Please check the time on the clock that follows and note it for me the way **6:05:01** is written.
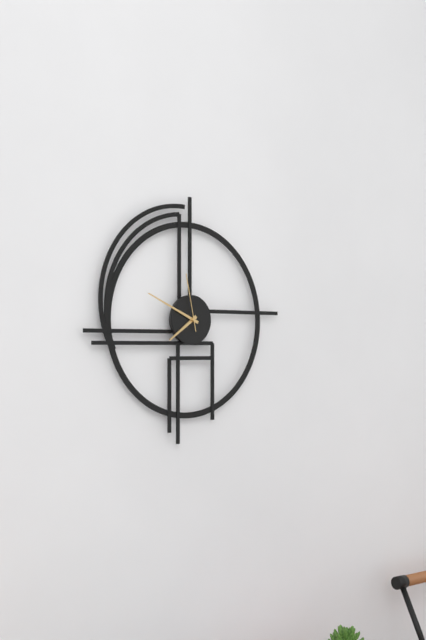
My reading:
**7:49:58**
